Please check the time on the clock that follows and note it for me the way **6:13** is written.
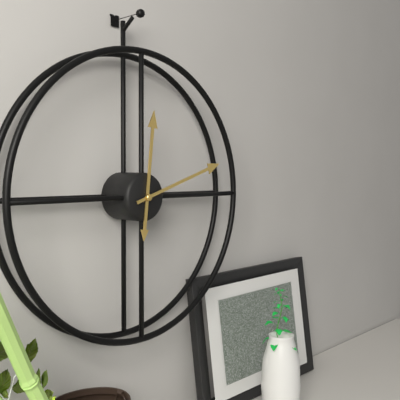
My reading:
**12:12**
